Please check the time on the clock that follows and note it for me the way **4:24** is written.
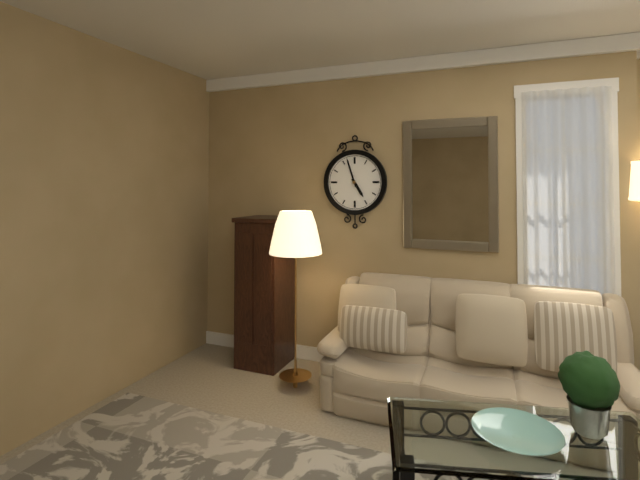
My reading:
**4:57**
